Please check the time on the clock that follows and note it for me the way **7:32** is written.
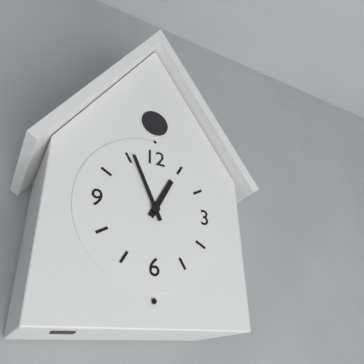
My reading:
**12:56**
